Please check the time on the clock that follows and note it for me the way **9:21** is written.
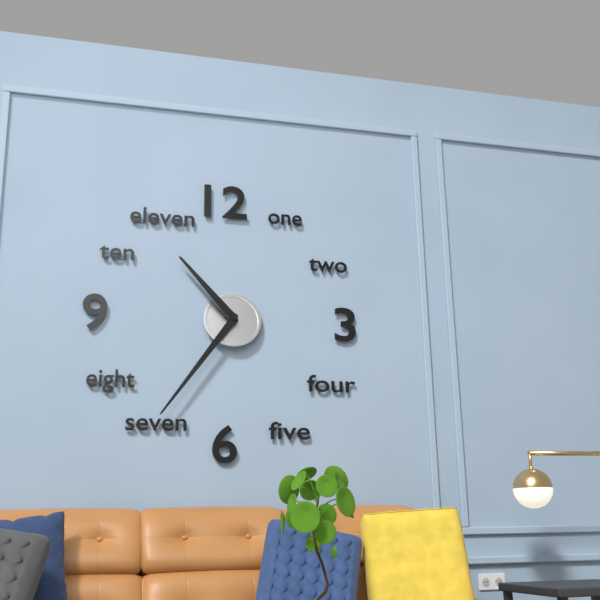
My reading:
**10:36**
